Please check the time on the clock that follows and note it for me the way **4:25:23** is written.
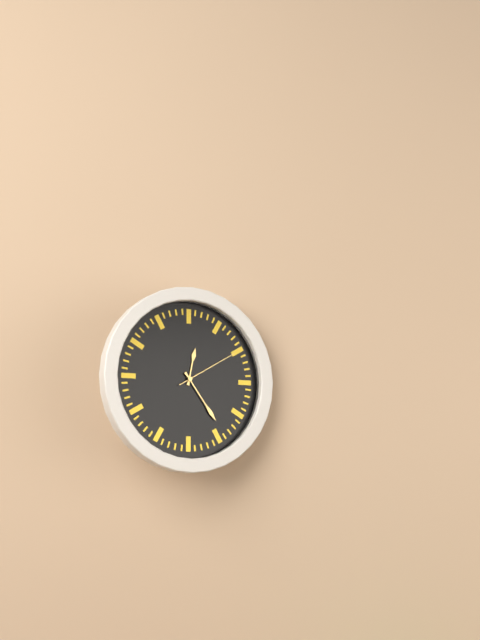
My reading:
**12:24:10**
